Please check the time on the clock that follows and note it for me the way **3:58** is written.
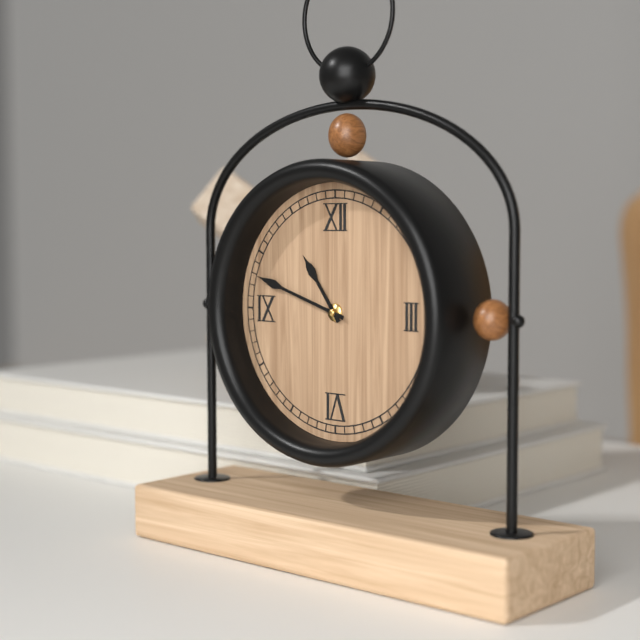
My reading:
**10:48**
